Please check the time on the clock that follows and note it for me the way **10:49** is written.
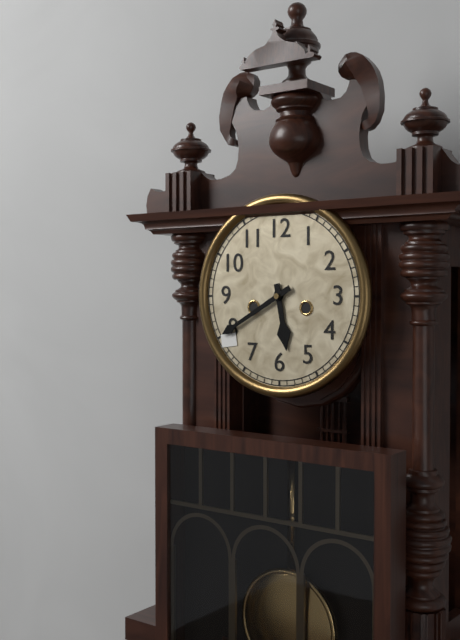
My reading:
**5:40**
